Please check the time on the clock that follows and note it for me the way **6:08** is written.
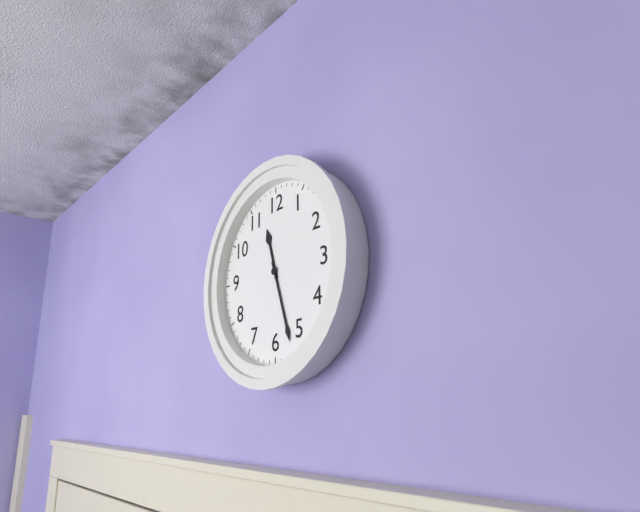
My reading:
**11:27**
